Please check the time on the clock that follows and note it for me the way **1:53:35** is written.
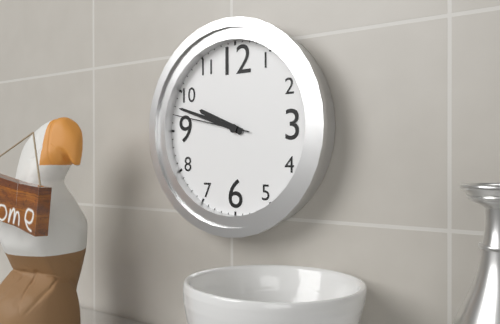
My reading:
**9:48:47**
